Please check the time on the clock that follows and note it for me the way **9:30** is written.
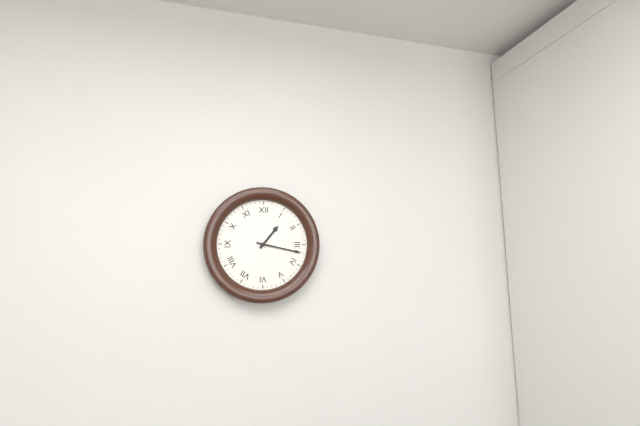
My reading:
**1:17**
